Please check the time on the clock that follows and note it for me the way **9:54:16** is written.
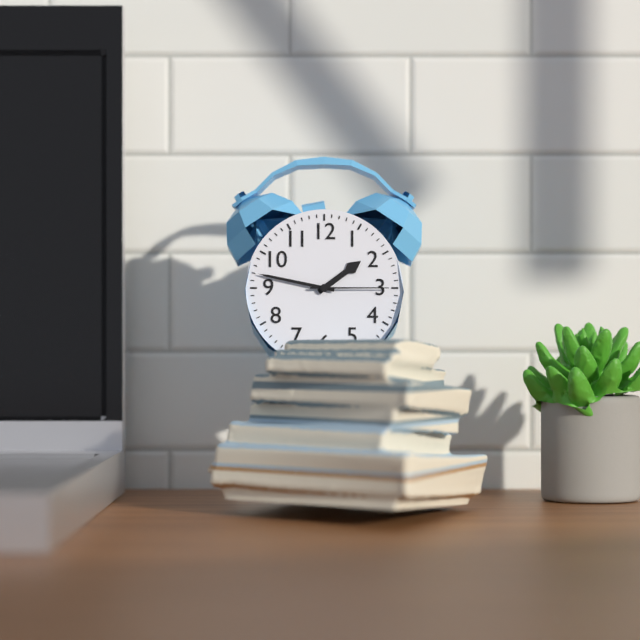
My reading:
**1:47:15**
